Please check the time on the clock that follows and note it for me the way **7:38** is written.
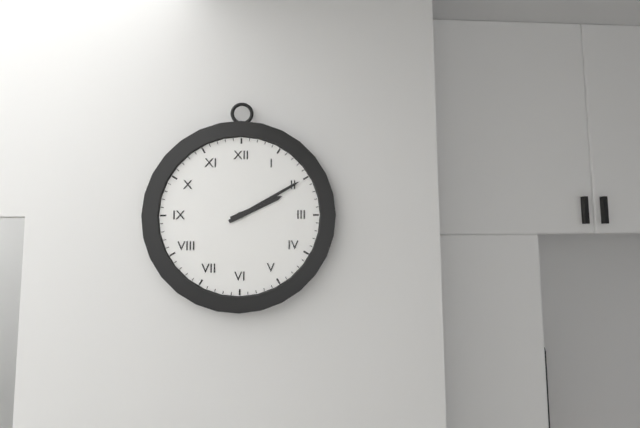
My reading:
**2:10**
